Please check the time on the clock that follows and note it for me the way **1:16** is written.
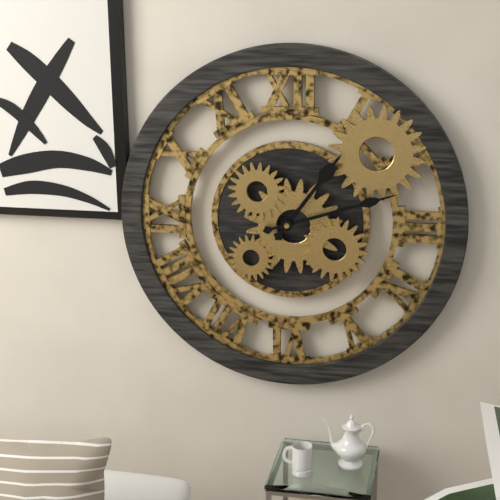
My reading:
**1:12**
